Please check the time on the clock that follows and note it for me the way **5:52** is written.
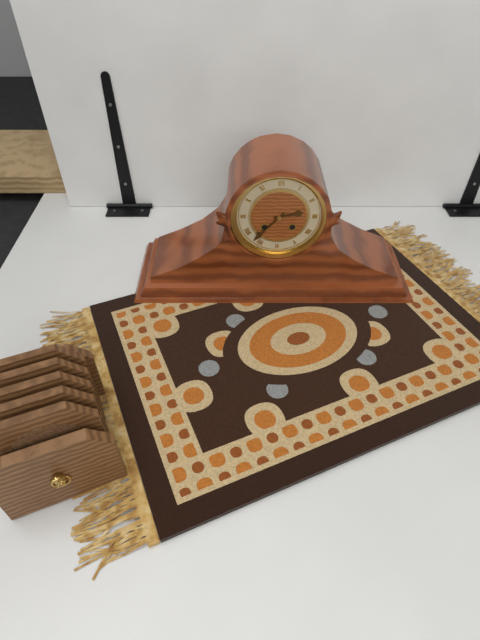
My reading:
**2:37**
